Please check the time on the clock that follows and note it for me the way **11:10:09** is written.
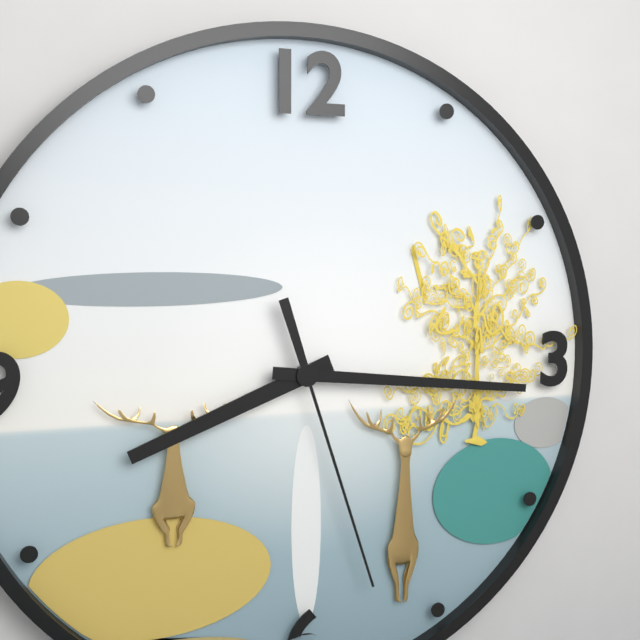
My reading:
**8:16:27**
